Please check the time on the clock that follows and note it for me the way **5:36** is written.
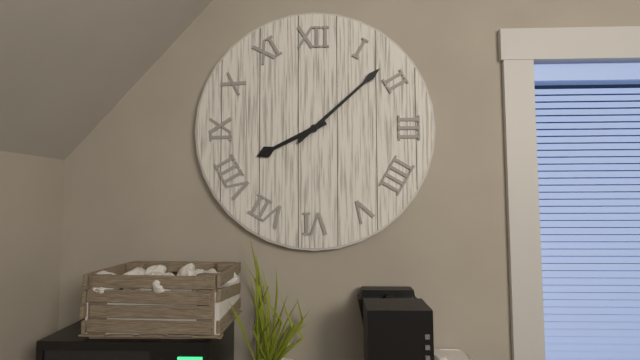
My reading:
**8:08**
